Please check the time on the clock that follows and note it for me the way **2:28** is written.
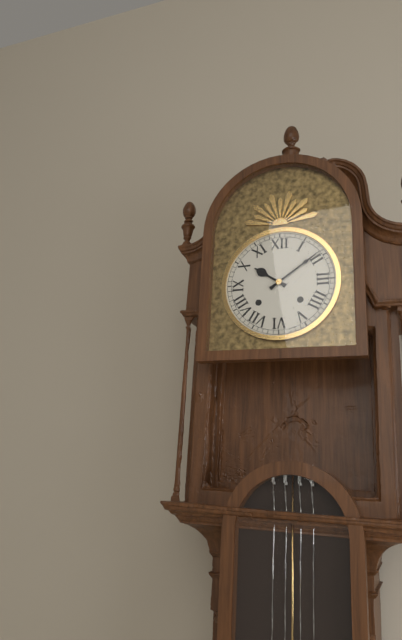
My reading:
**10:09**
